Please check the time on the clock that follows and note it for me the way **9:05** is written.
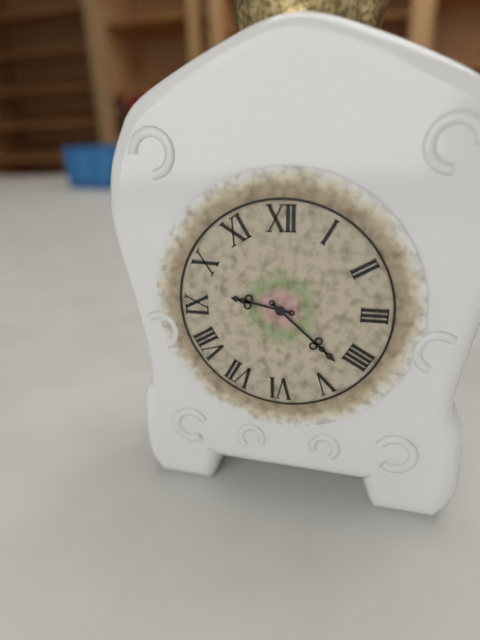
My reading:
**9:22**
